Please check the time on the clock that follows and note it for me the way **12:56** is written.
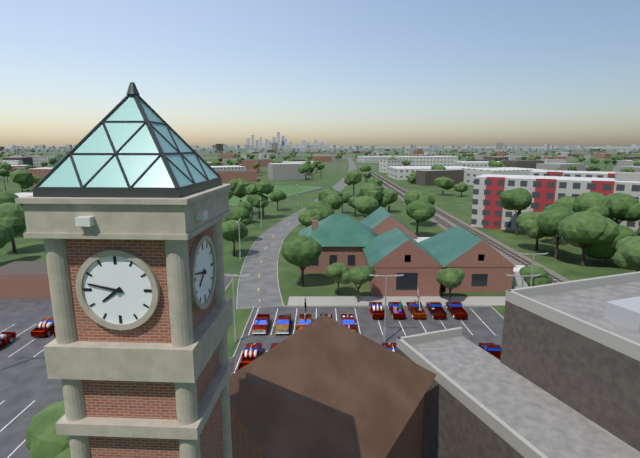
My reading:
**7:47**
